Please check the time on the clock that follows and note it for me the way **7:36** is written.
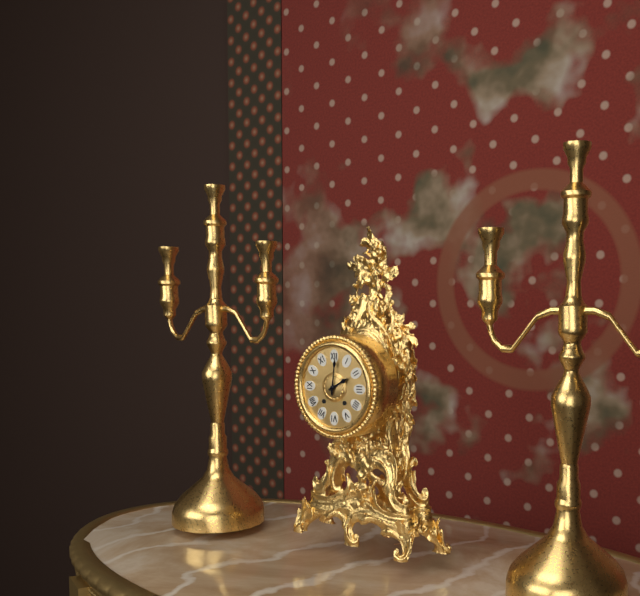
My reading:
**2:01**
